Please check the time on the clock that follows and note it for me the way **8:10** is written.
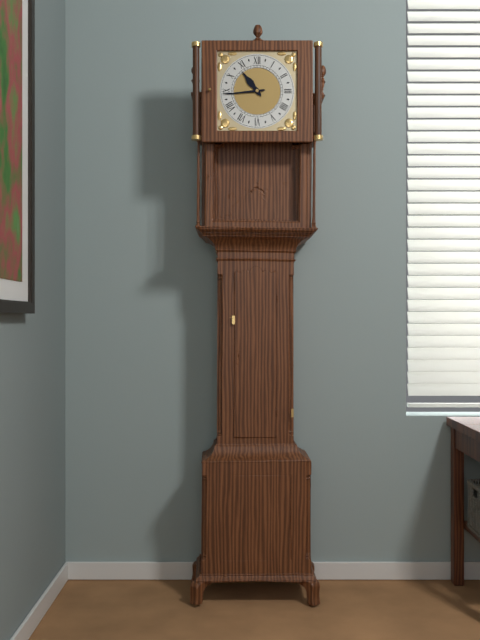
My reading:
**10:44**
